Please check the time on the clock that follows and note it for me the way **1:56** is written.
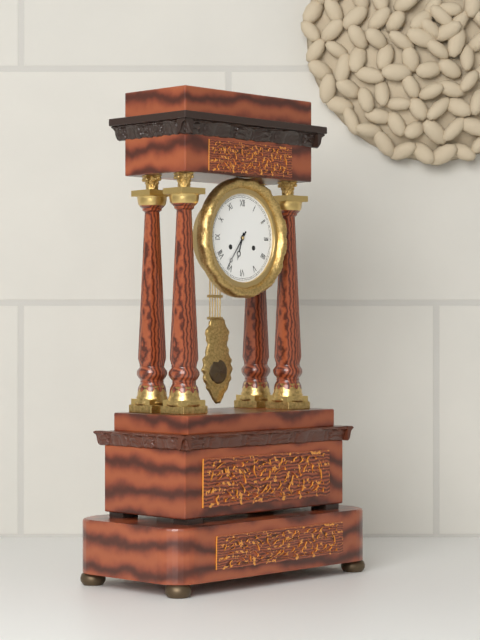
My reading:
**6:36**
